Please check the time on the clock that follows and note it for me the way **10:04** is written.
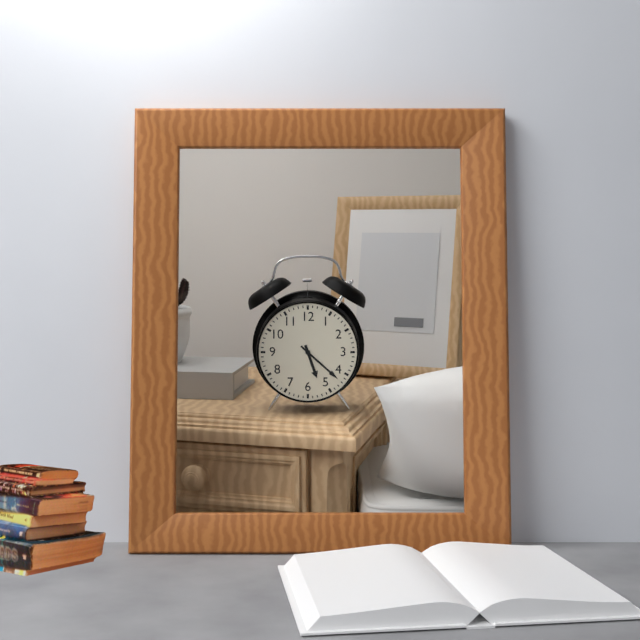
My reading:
**5:22**
